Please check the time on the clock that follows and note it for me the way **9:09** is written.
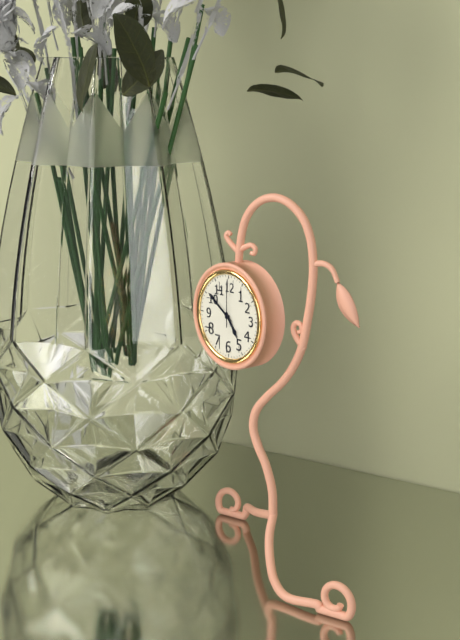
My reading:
**4:51**
